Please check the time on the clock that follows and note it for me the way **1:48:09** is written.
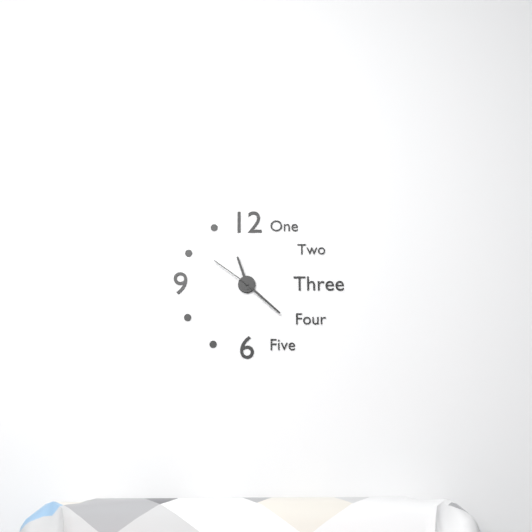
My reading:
**11:22:51**
